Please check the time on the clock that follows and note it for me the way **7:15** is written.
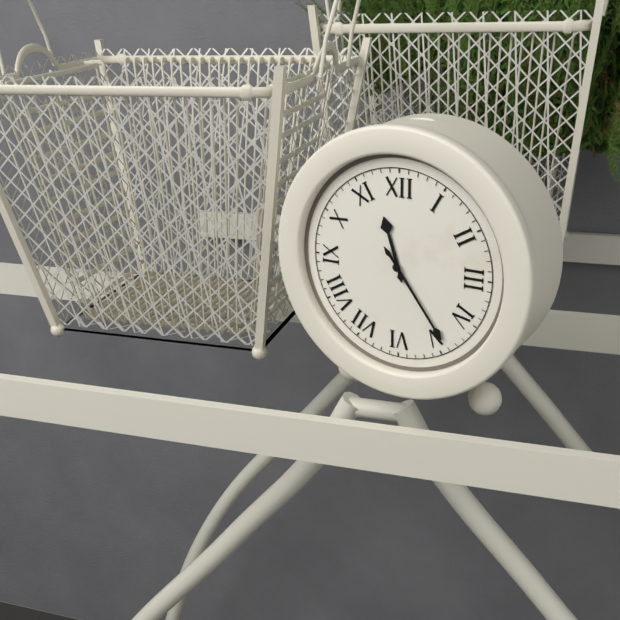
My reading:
**11:24**
